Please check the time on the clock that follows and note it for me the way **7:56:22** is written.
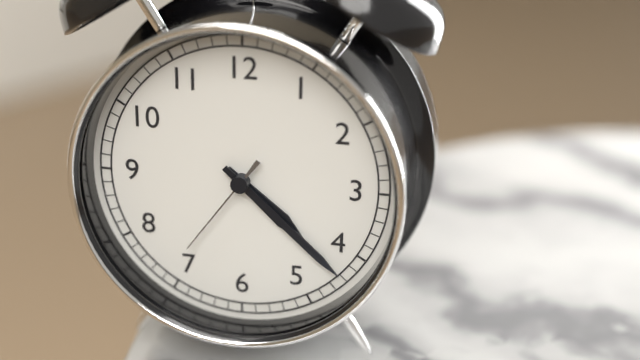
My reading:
**4:22:36**
